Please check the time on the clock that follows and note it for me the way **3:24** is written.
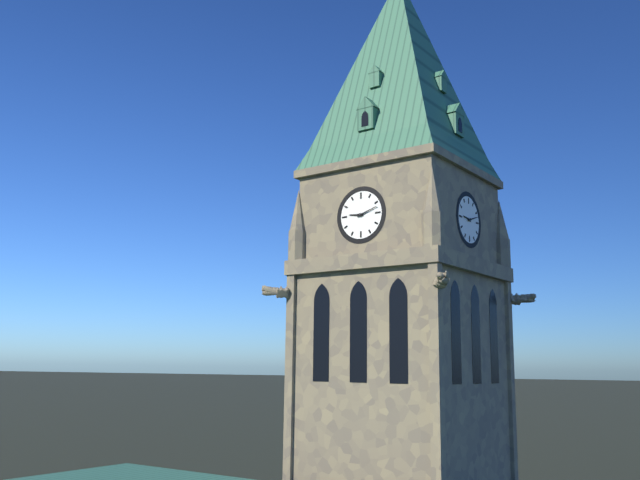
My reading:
**9:12**
